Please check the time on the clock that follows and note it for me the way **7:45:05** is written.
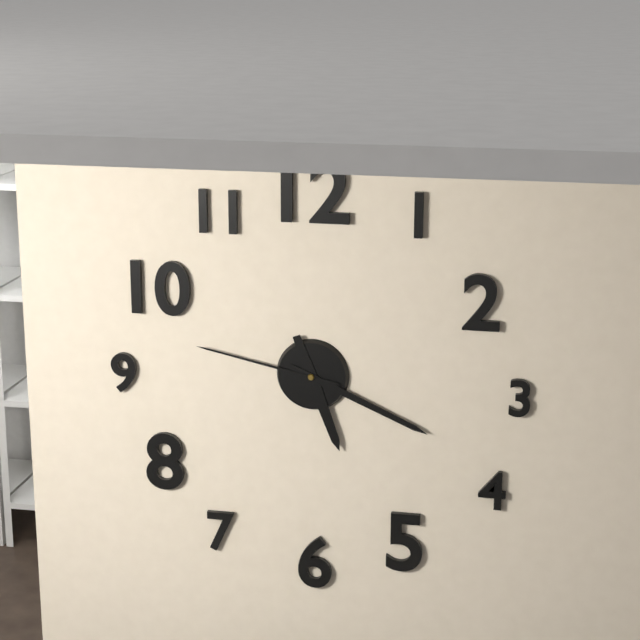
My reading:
**5:19:47**
